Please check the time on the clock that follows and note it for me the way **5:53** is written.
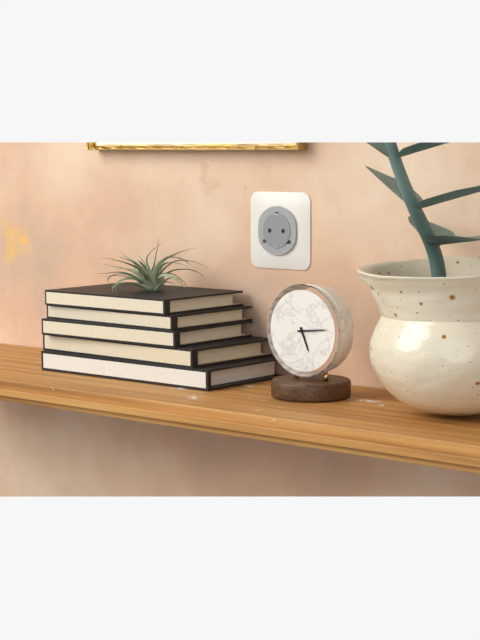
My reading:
**5:14**
